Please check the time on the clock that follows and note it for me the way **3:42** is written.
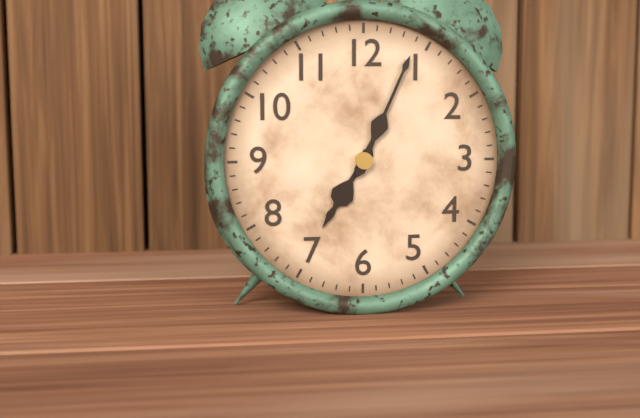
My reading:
**7:04**
